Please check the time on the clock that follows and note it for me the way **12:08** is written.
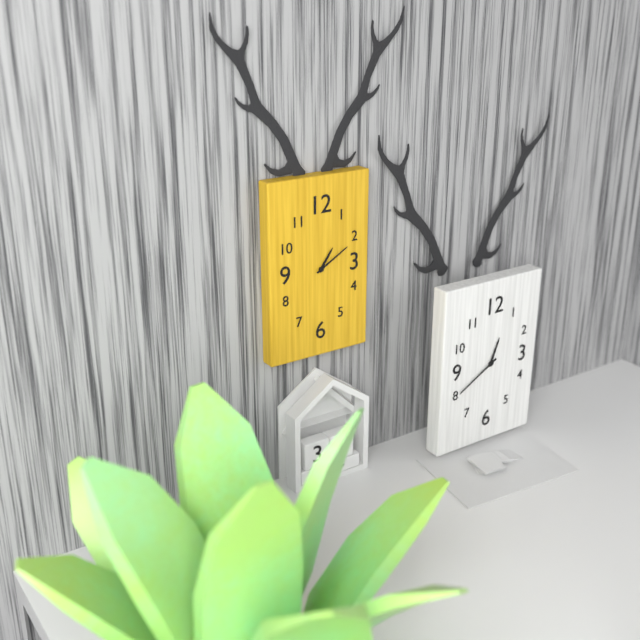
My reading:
**1:10**
